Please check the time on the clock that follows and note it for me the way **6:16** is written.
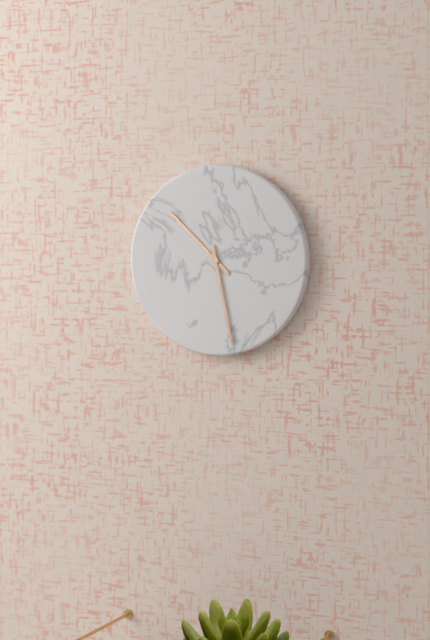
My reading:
**10:28**
